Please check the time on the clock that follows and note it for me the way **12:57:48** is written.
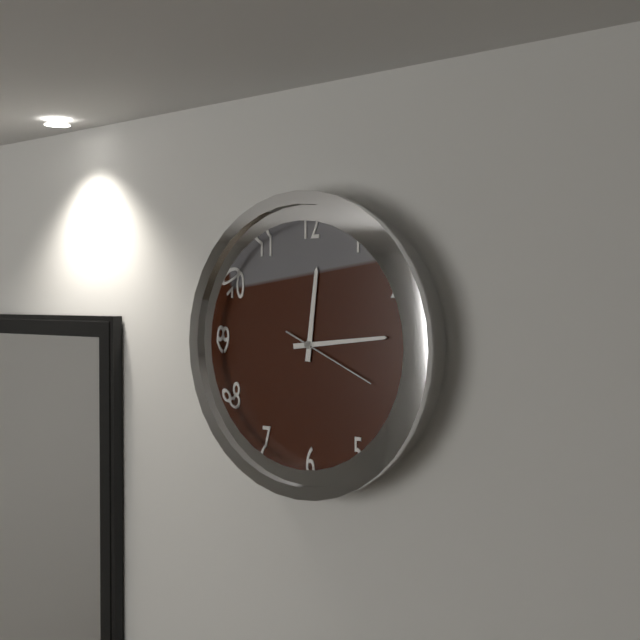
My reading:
**12:14:19**
